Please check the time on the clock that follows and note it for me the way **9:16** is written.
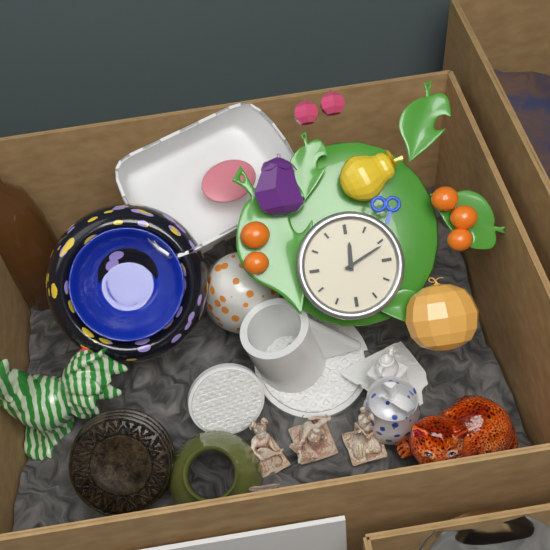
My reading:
**12:11**
